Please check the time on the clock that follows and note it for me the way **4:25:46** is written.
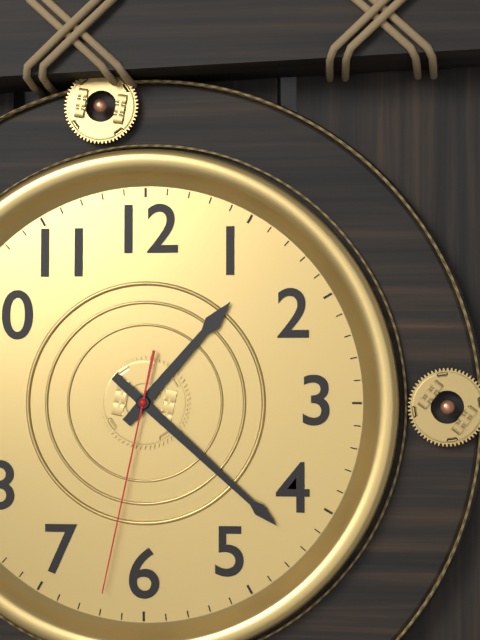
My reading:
**1:22:32**
